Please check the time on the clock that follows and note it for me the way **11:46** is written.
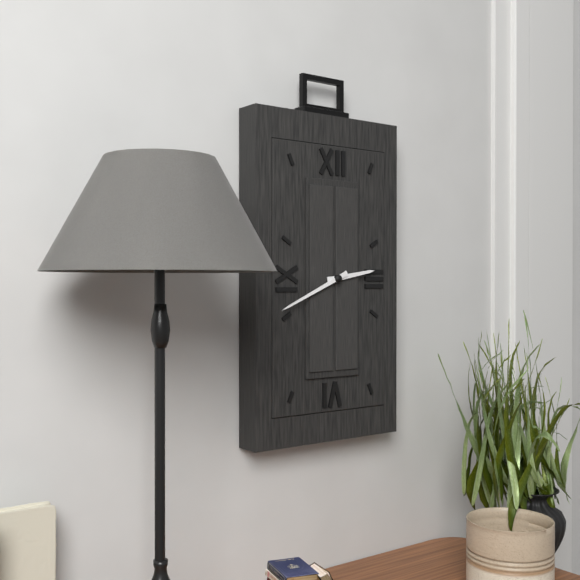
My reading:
**2:41**
